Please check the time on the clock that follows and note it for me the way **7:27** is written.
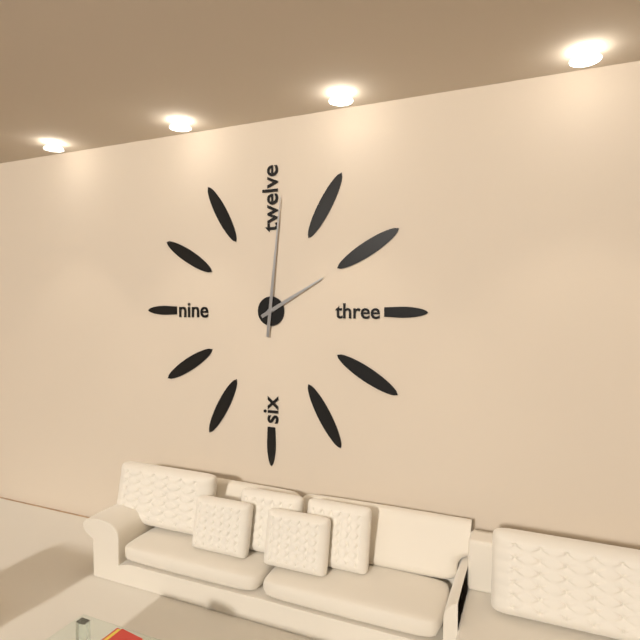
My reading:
**2:01**
